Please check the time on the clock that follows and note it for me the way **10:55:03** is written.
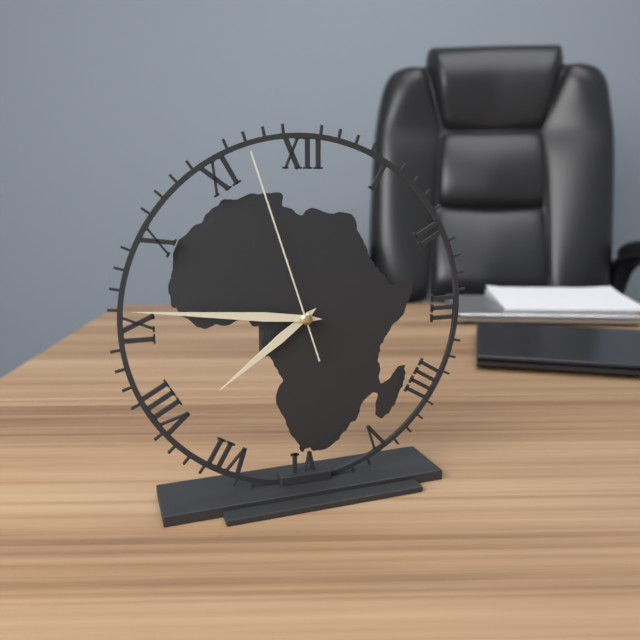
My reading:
**7:46:57**
